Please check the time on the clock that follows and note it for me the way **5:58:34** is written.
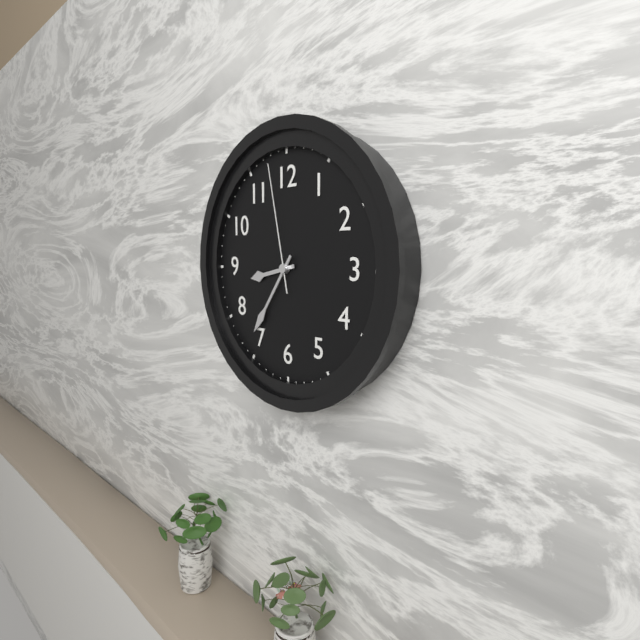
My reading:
**8:36:58**
